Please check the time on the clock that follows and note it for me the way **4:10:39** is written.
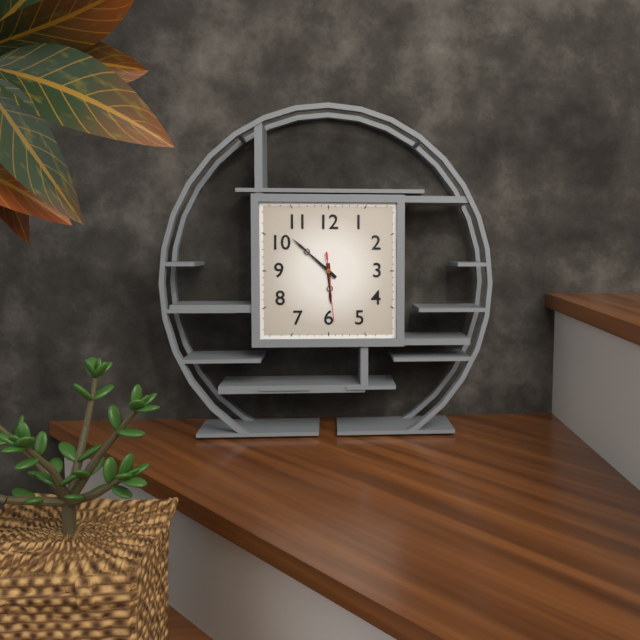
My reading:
**5:52:29**
